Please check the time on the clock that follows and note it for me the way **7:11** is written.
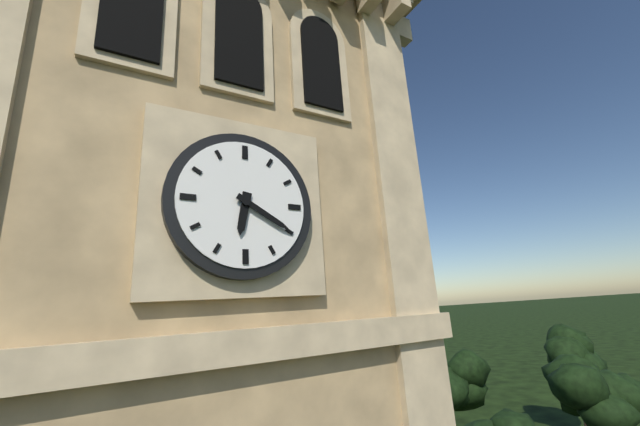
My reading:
**6:20**
